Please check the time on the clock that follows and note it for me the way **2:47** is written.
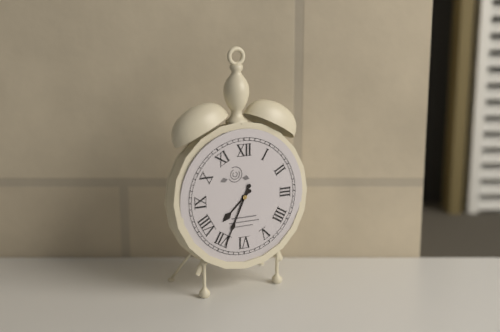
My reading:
**7:34**
